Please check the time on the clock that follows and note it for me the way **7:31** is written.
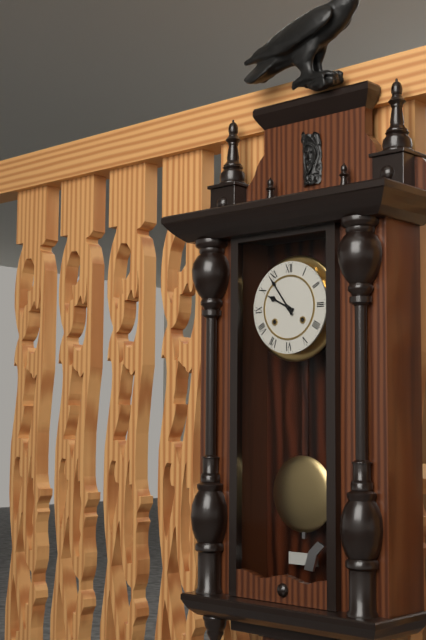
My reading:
**9:54**
